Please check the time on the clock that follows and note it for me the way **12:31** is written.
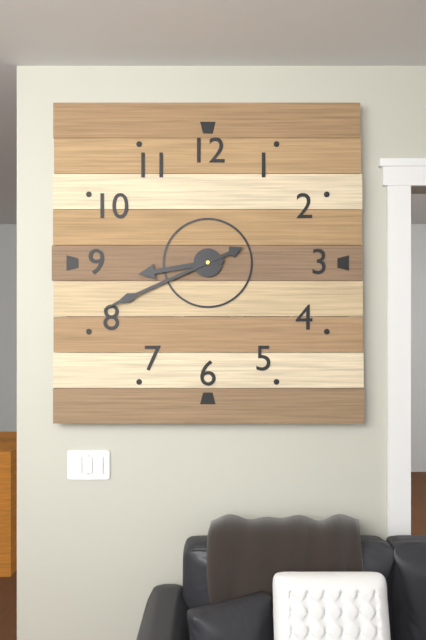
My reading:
**8:41**
